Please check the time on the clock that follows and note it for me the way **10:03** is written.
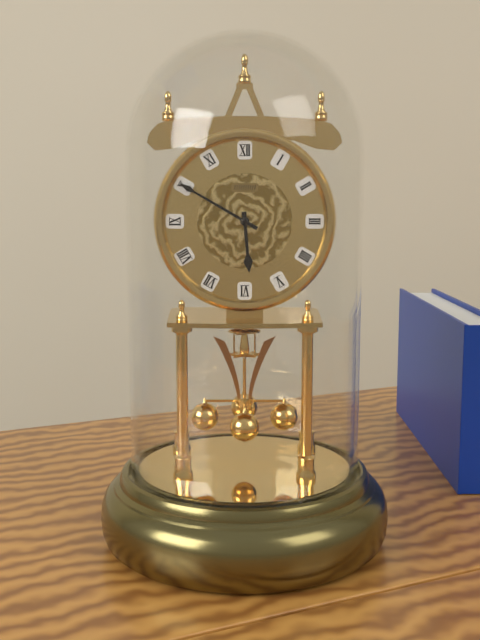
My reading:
**5:50**
